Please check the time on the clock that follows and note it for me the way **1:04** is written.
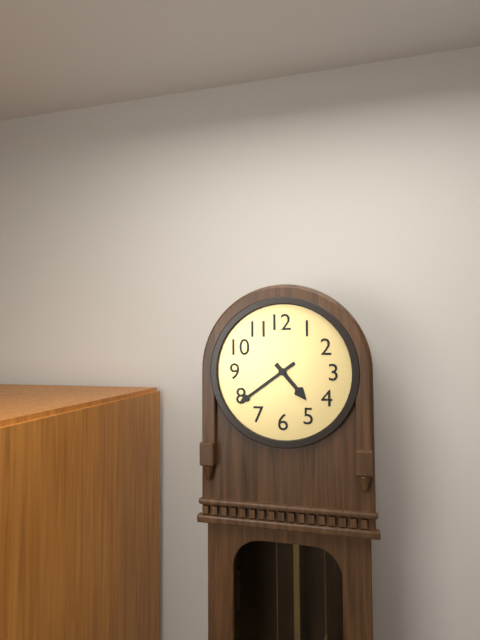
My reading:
**4:39**
